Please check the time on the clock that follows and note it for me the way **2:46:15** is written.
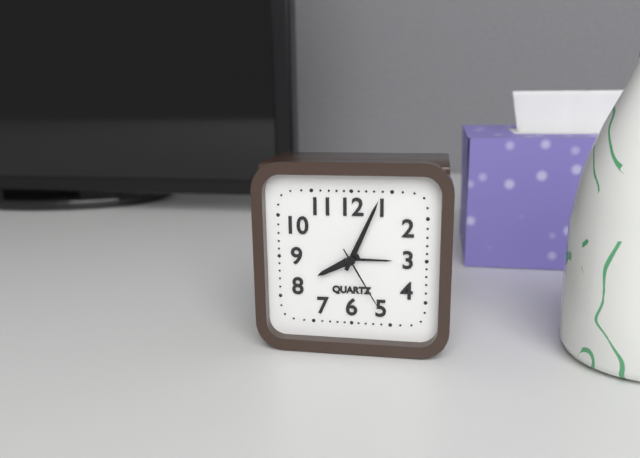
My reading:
**8:04:25**
